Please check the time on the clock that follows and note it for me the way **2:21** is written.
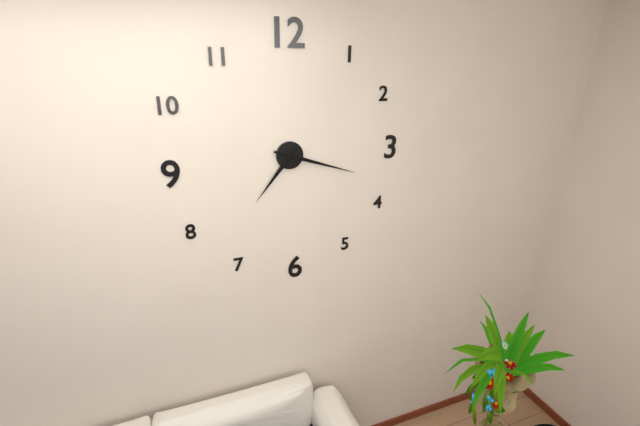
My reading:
**7:18**
